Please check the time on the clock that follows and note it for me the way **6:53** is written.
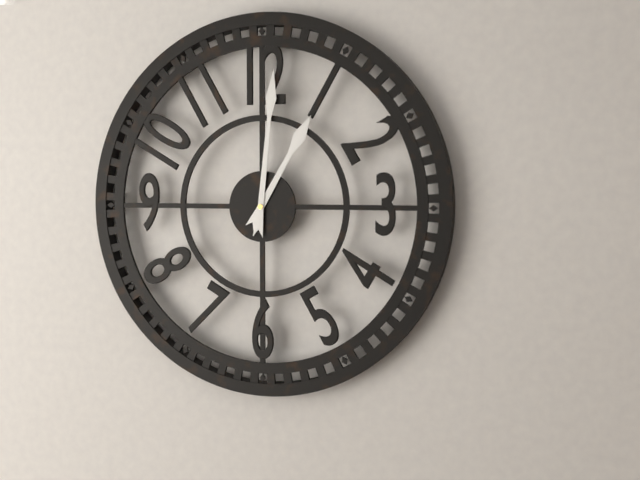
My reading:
**1:01**
